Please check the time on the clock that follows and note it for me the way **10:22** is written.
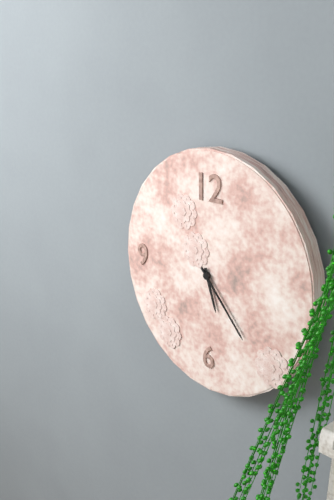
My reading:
**5:23**
